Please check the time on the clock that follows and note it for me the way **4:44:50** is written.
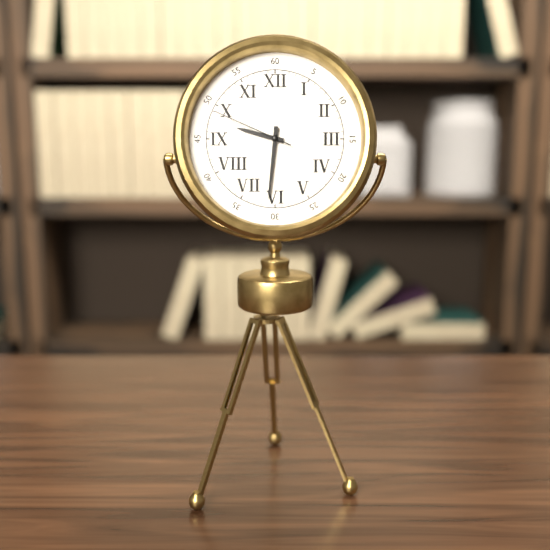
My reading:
**9:31:49**
